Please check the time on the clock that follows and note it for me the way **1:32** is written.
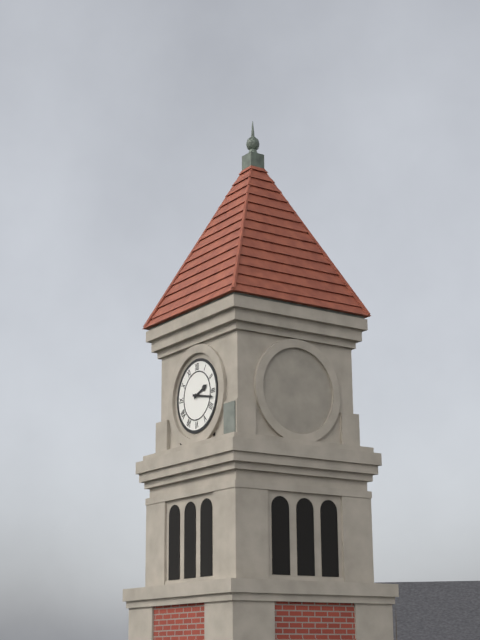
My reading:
**2:17**
